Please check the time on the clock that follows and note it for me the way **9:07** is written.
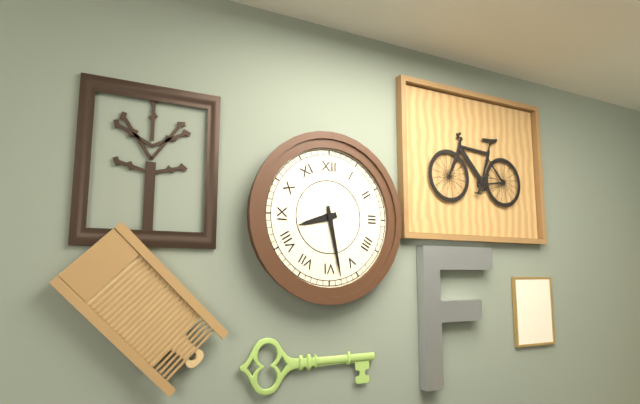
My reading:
**8:28**
